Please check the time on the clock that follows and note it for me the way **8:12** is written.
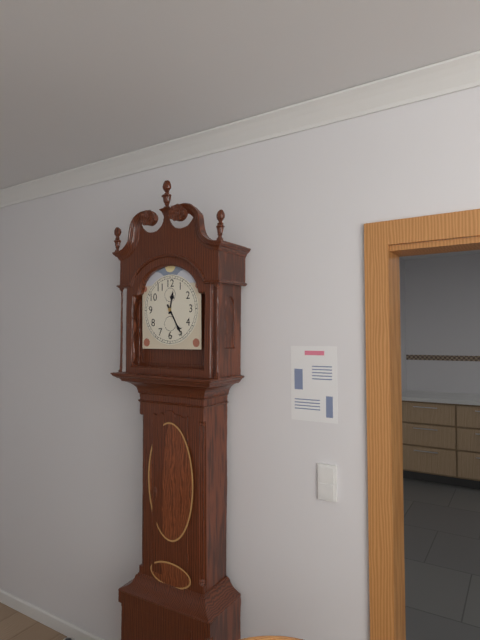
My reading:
**12:25**
